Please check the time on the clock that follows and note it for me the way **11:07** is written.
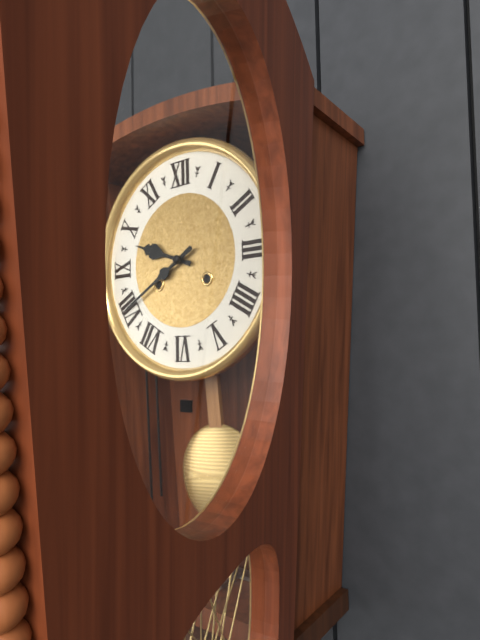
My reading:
**9:40**
